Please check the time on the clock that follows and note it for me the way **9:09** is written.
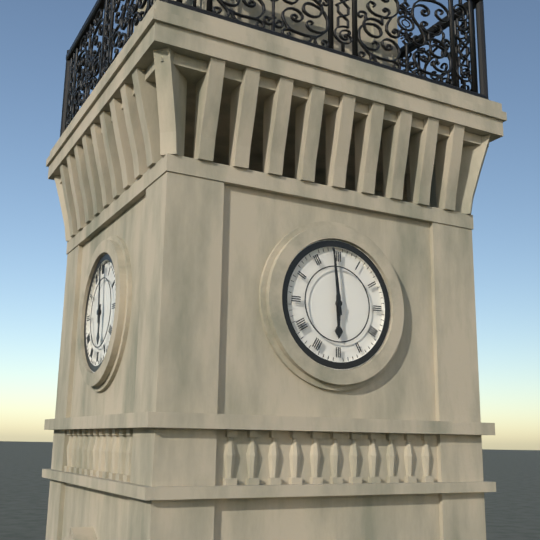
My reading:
**5:59**
